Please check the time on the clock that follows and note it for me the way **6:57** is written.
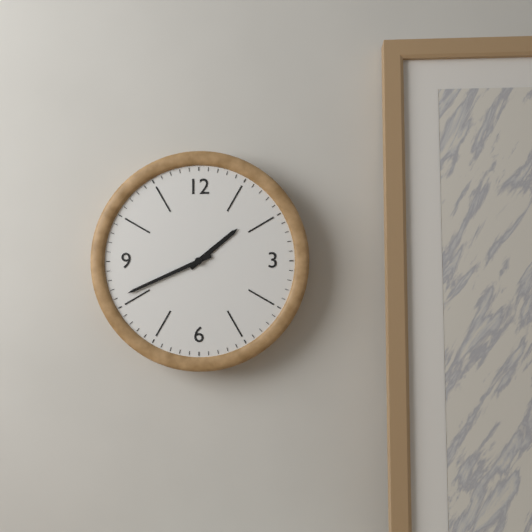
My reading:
**1:41**
